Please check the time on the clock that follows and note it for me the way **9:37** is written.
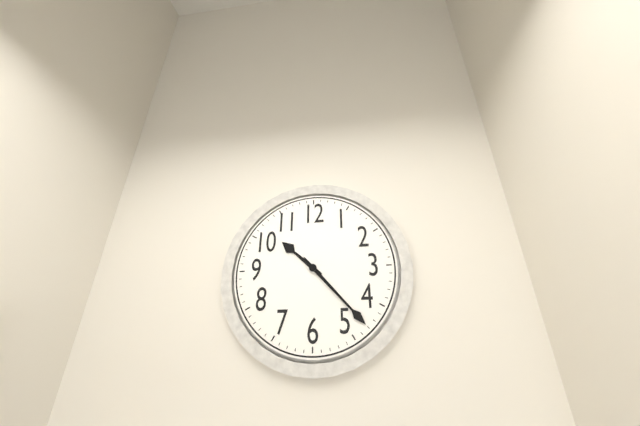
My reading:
**10:23**
